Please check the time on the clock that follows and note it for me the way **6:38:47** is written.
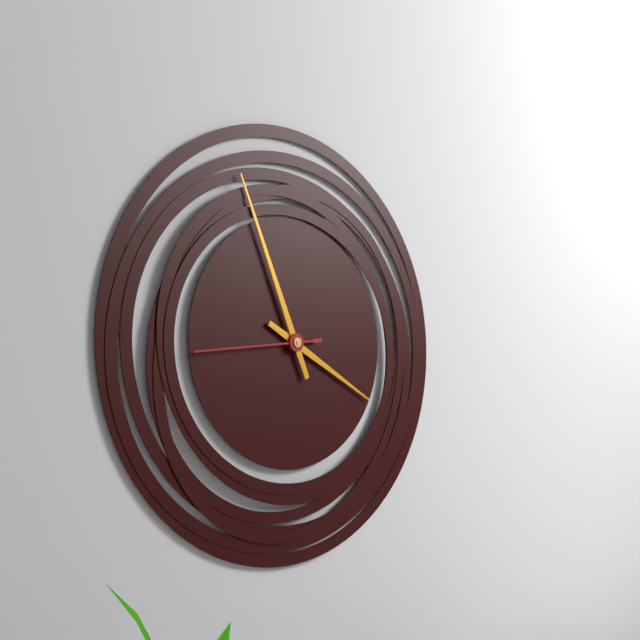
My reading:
**3:56:44**
